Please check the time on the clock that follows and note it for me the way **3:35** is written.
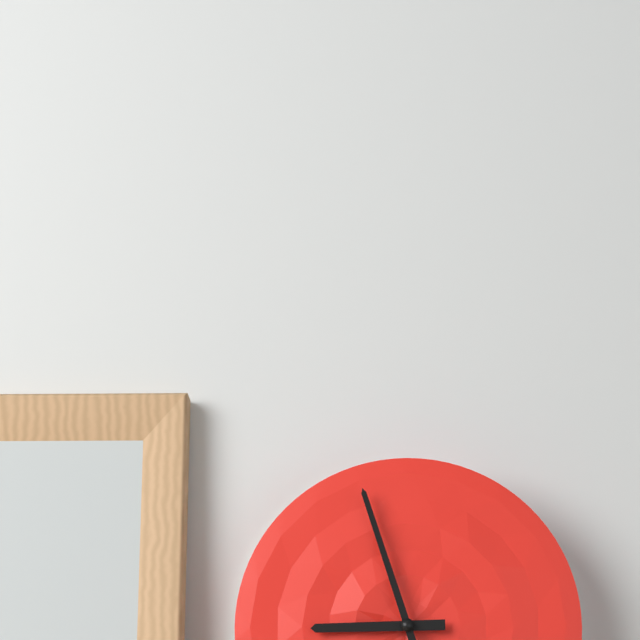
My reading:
**8:57**
